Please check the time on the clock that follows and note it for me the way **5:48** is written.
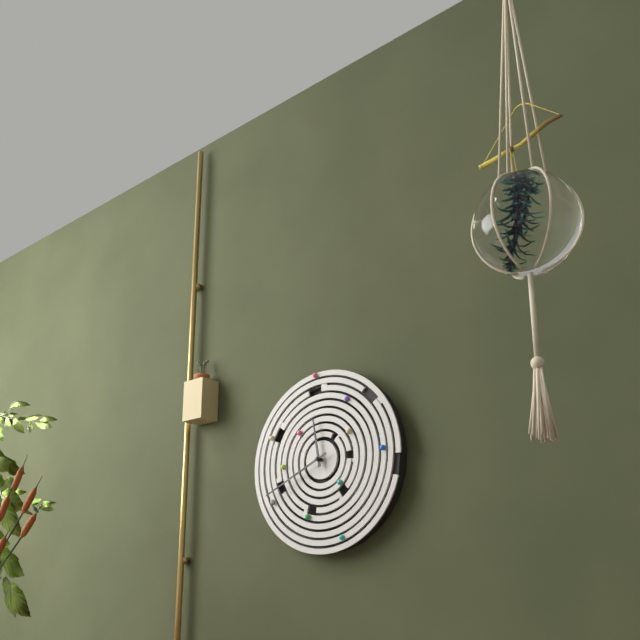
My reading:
**11:41**
